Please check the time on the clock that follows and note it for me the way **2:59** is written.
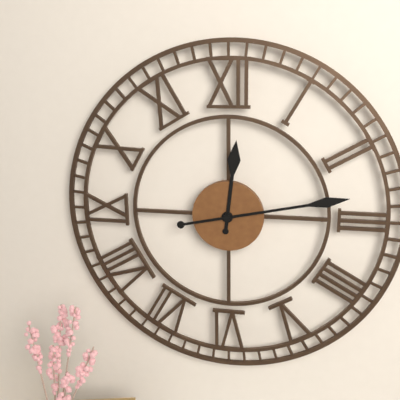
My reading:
**12:13**
